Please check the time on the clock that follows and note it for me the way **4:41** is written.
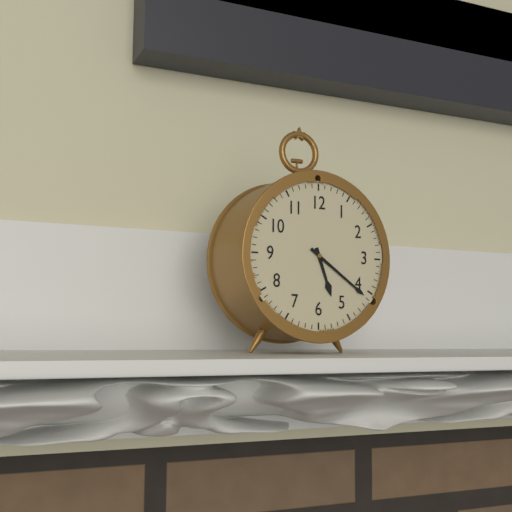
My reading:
**5:21**
